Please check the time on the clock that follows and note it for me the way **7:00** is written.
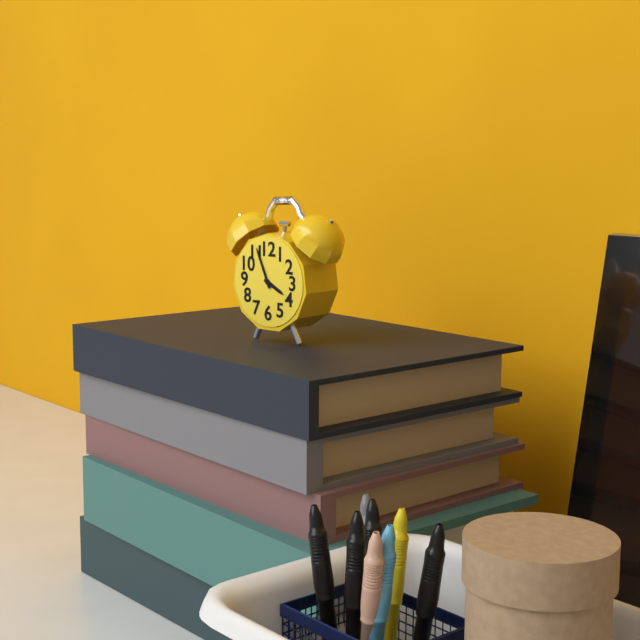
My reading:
**3:56**
